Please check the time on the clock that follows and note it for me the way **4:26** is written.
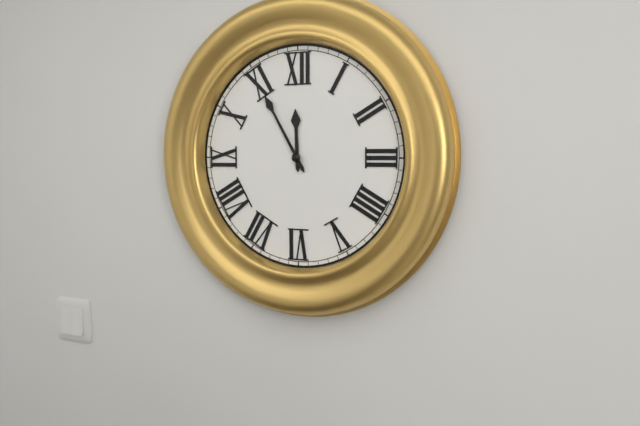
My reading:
**11:55**
